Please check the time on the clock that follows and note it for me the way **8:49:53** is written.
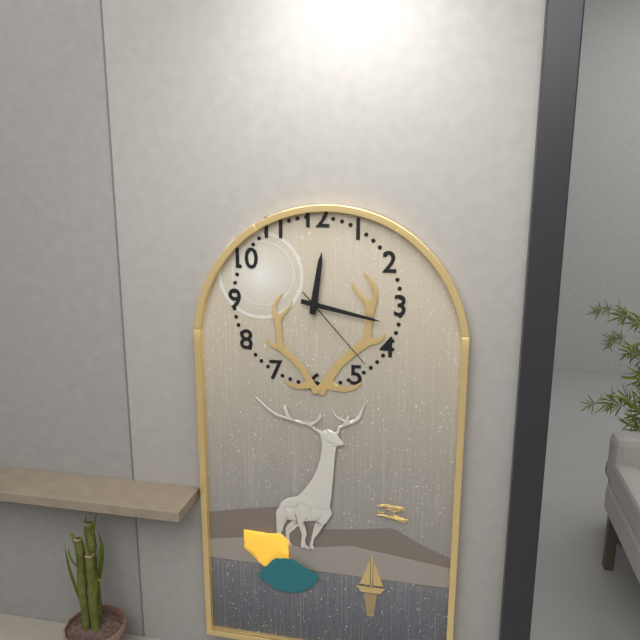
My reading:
**12:17:23**
